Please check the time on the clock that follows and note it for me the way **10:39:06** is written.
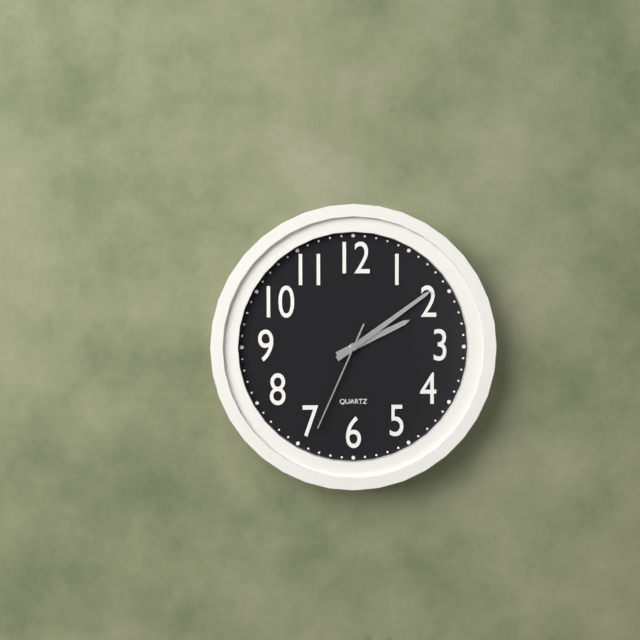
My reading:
**2:09:34**
